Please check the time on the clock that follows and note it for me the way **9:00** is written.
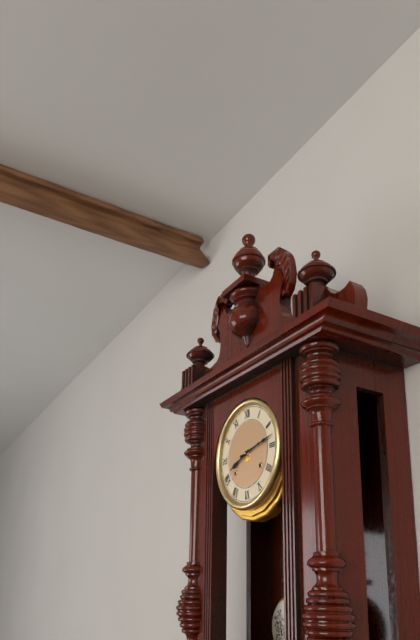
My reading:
**8:13**
